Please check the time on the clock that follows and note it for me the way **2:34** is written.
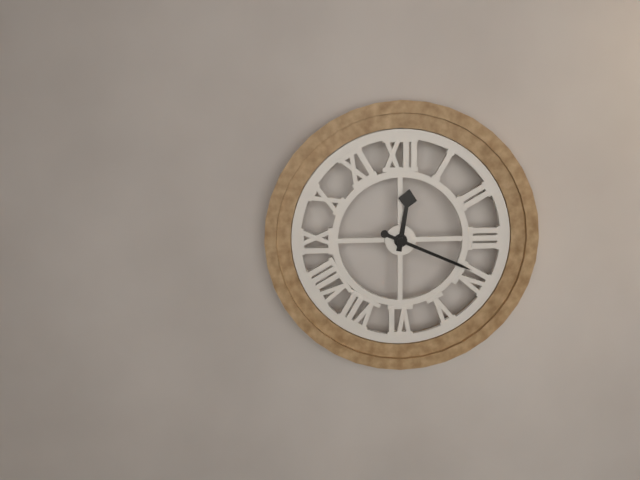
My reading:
**12:19**
